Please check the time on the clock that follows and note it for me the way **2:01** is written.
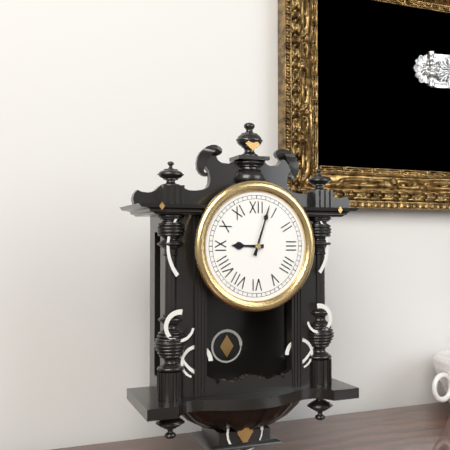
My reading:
**9:03**
